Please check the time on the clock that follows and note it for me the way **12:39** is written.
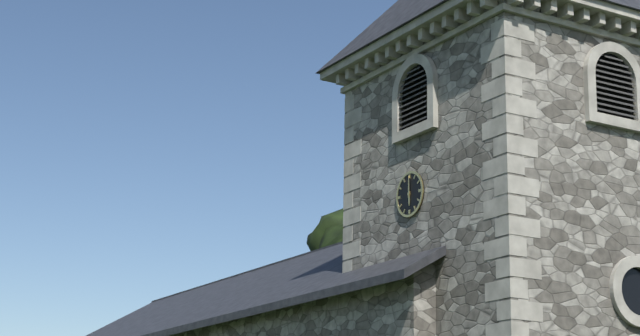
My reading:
**6:00**
